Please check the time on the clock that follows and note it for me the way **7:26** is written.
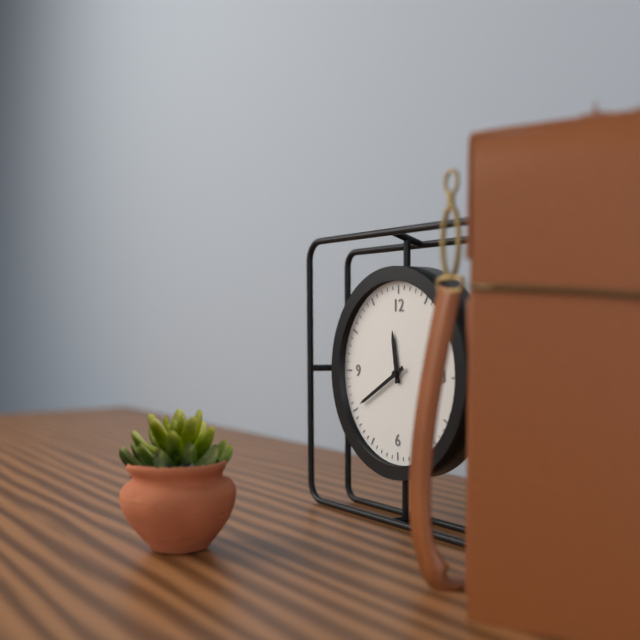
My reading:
**11:40**
